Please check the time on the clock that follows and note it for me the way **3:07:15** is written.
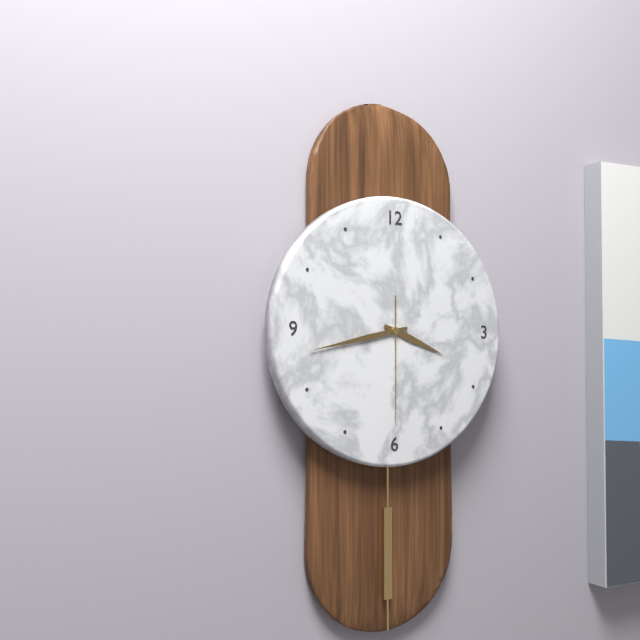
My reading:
**3:43:30**
